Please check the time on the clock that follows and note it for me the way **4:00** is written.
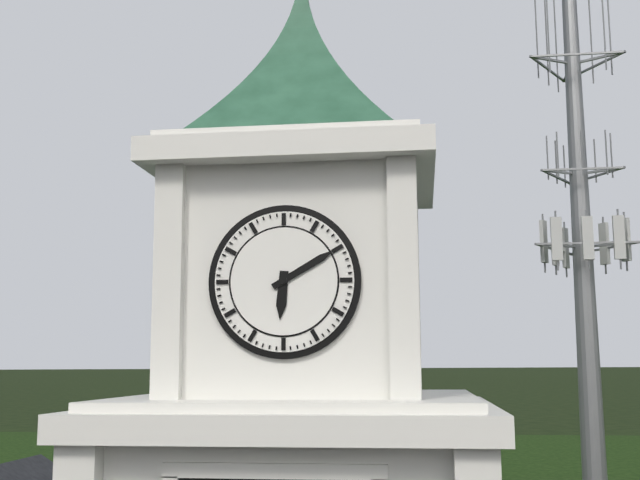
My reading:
**6:10**
